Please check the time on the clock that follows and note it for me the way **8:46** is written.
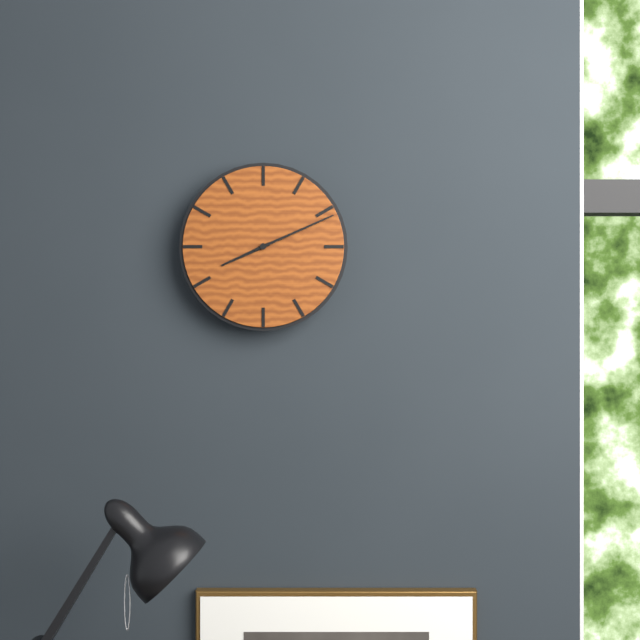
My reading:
**8:11**
